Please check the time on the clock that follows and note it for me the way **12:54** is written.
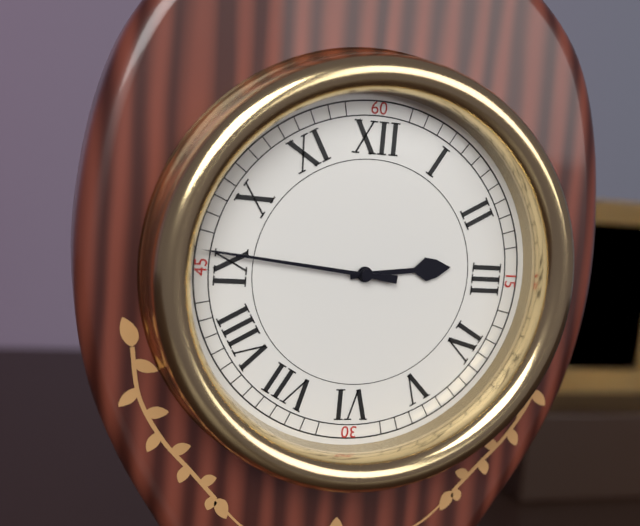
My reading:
**2:46**
